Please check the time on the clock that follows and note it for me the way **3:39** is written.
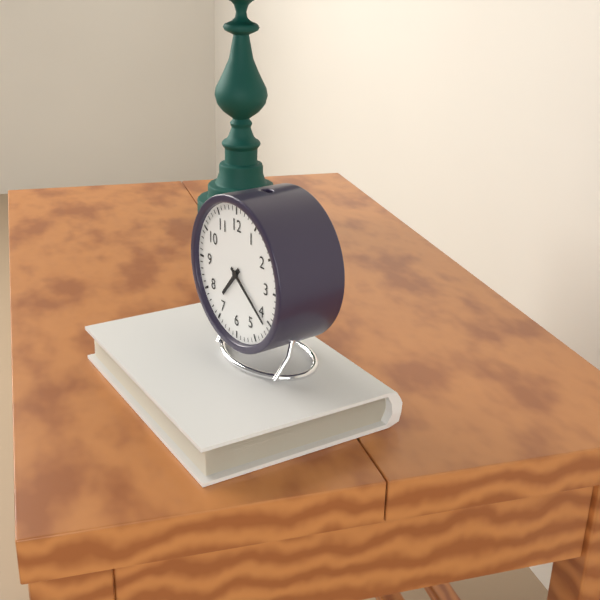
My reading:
**7:21**
